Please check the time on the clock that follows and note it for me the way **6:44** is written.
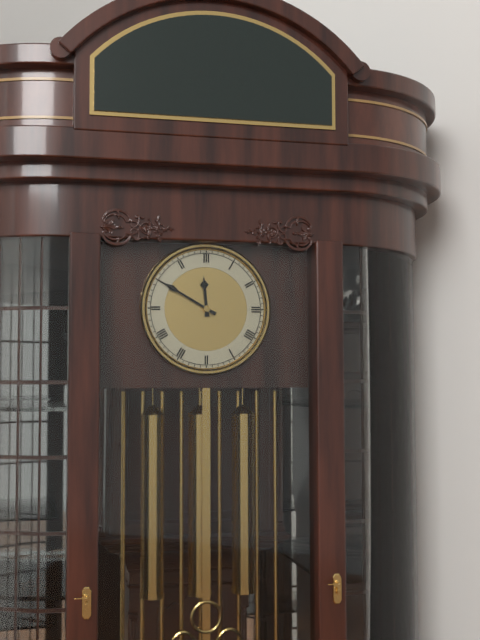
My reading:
**11:50**
